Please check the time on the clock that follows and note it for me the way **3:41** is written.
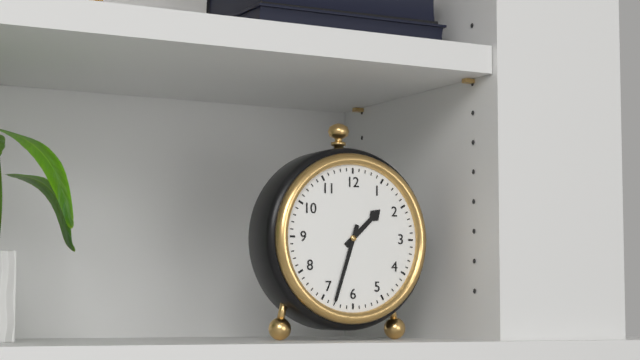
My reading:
**1:33**
